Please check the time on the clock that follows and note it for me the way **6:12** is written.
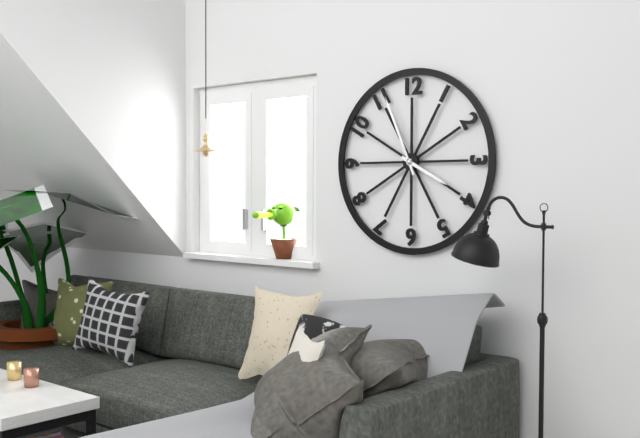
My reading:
**3:56**
